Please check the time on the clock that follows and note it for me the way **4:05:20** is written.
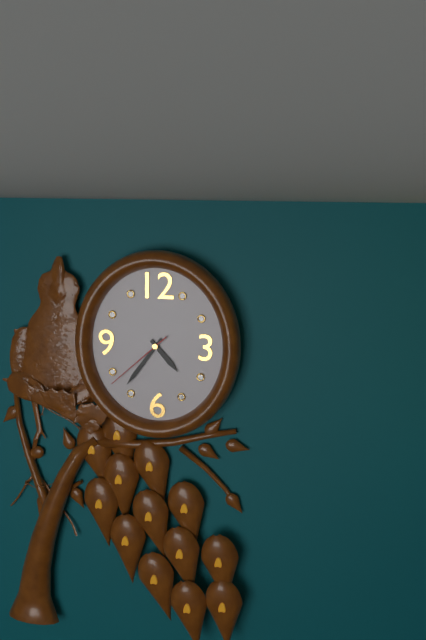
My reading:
**4:36:38**
